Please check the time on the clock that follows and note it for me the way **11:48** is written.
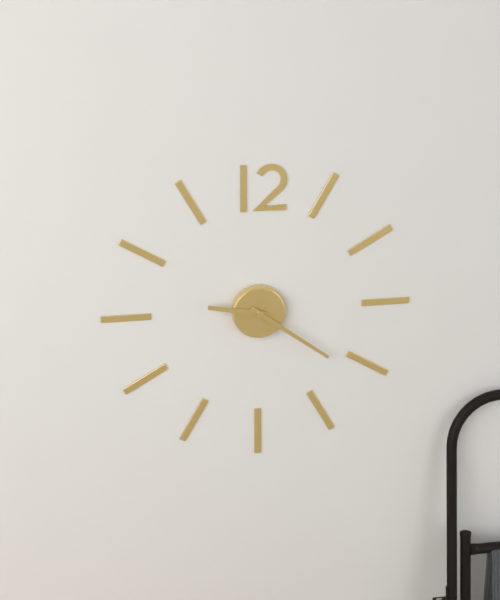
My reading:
**9:21**
